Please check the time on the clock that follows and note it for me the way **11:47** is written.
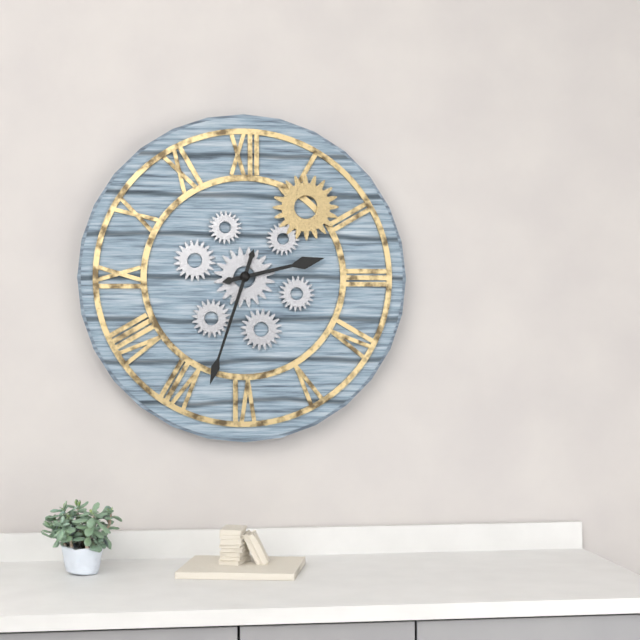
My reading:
**2:33**
